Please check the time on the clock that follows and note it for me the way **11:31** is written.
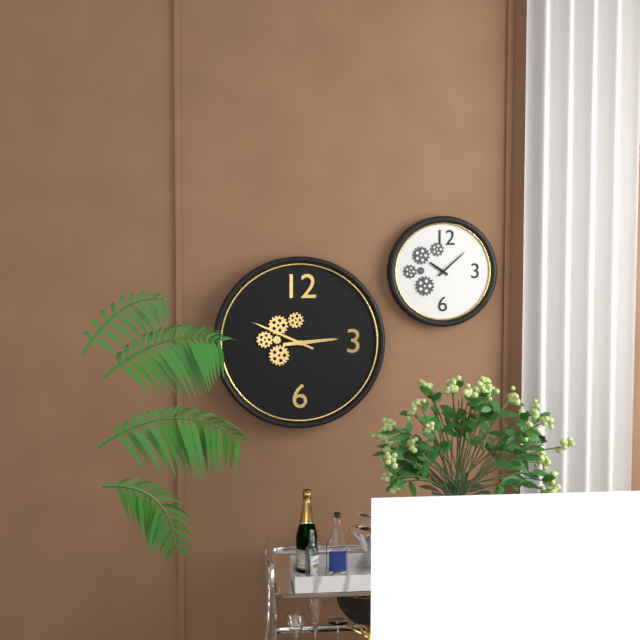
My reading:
**2:49**
